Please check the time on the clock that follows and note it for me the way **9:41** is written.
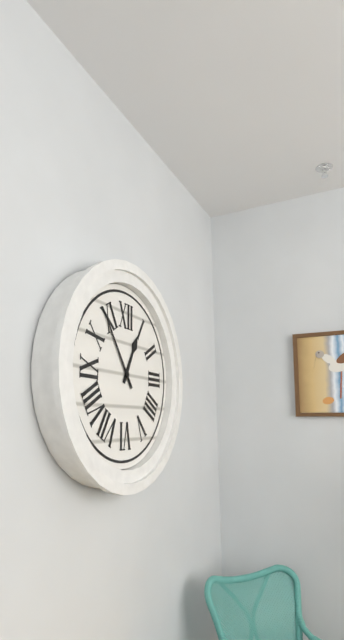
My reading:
**12:54**
